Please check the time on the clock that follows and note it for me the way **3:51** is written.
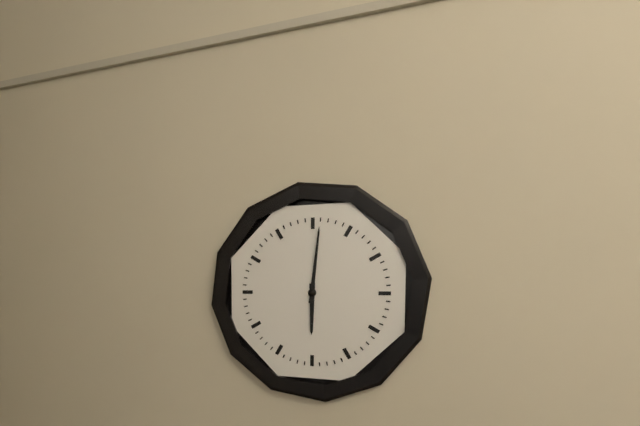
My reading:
**6:01**
